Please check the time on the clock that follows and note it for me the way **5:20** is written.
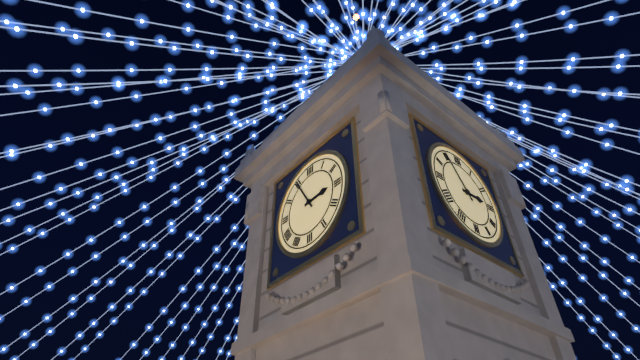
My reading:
**2:55**
